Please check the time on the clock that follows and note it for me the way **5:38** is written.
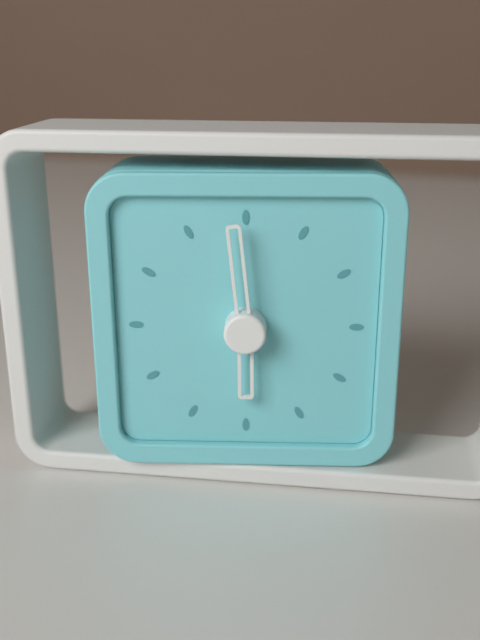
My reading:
**5:59**
